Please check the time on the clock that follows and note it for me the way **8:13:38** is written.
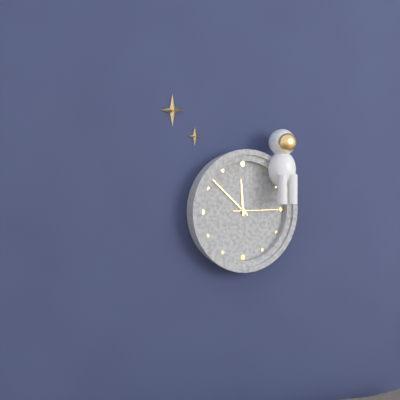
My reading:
**11:52:15**
